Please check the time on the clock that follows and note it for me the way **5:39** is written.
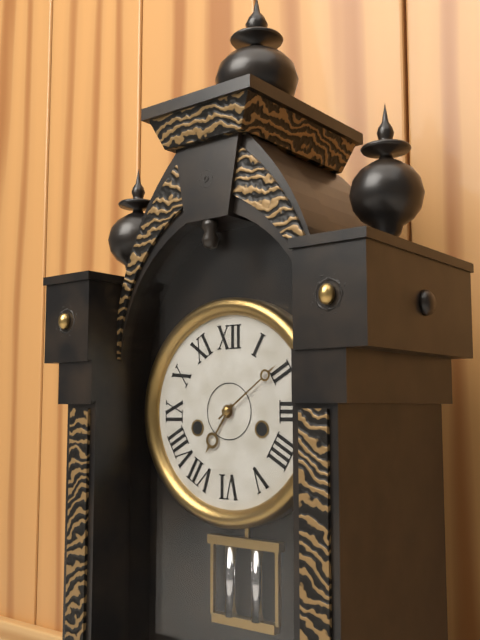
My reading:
**7:09**
